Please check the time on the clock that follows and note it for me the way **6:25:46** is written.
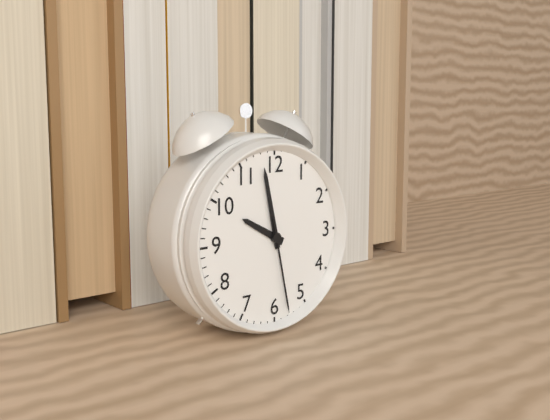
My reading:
**9:58:28**
